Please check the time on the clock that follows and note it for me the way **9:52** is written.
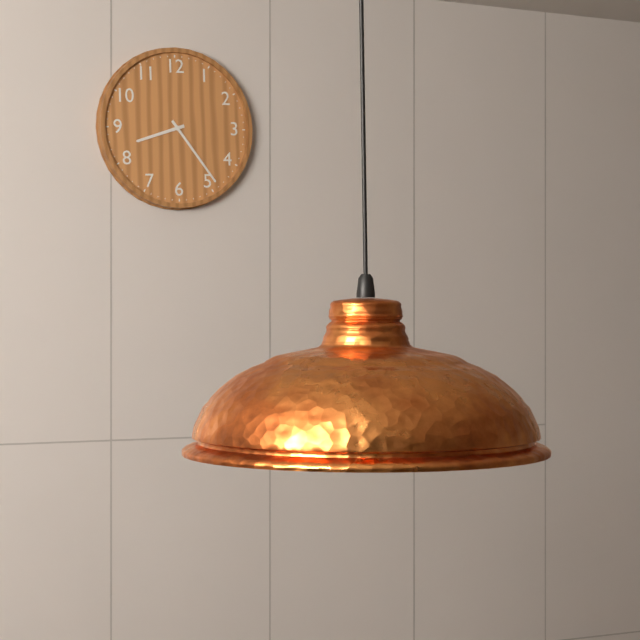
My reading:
**8:24**
